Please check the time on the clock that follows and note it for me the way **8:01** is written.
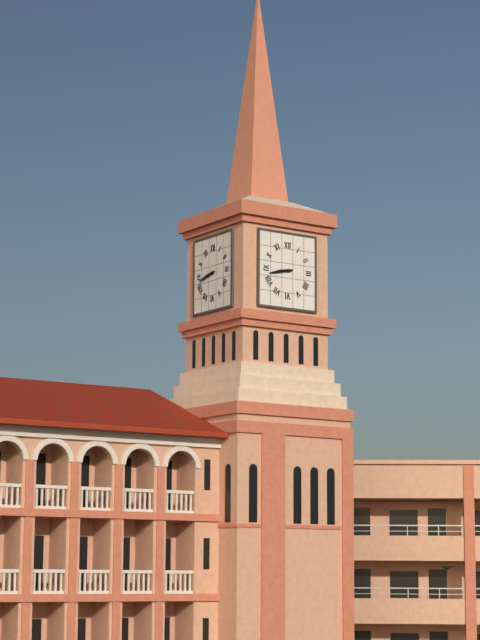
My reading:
**8:43**
